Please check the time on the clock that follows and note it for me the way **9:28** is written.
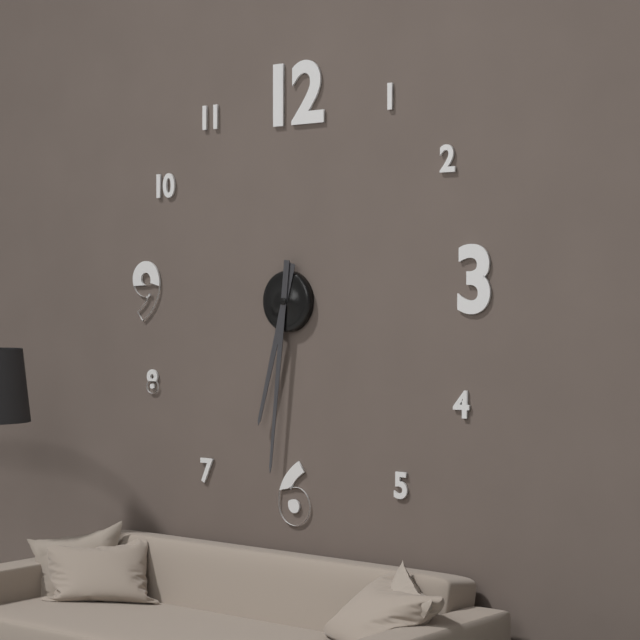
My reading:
**6:31**
